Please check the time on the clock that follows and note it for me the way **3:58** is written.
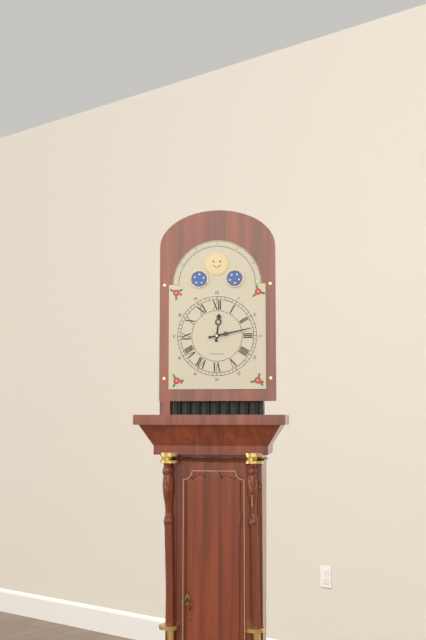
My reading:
**12:13**
